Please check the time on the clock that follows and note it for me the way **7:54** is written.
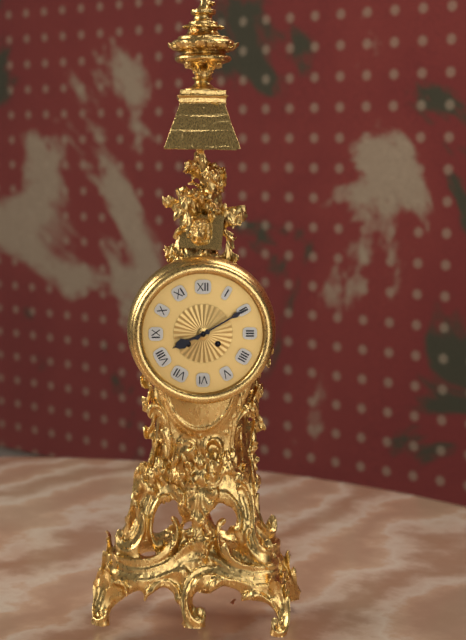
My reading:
**8:10**
